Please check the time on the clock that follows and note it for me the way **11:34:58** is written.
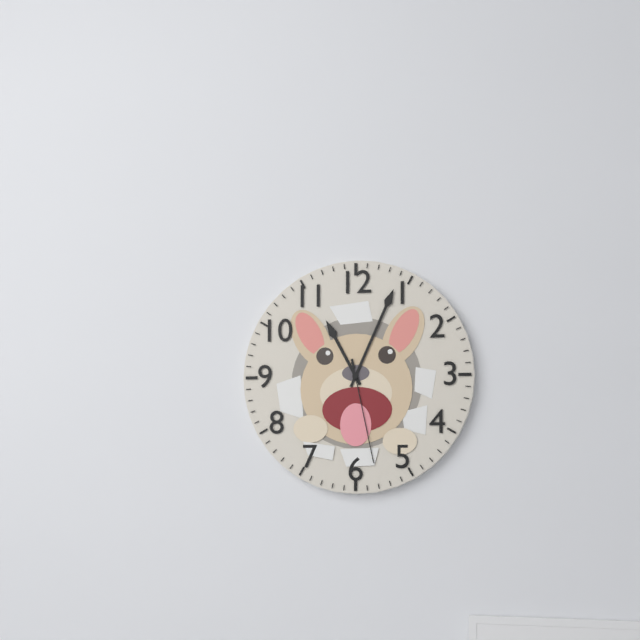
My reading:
**11:04:28**
